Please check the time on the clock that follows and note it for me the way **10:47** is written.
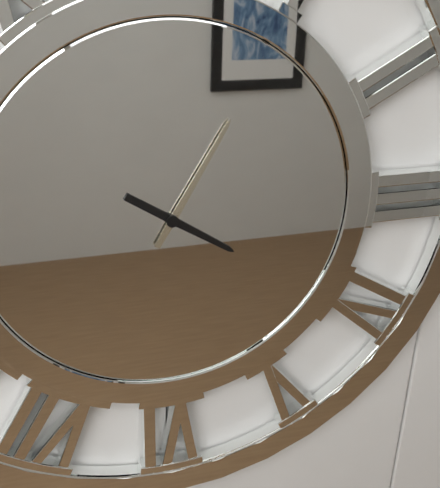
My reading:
**4:05**
